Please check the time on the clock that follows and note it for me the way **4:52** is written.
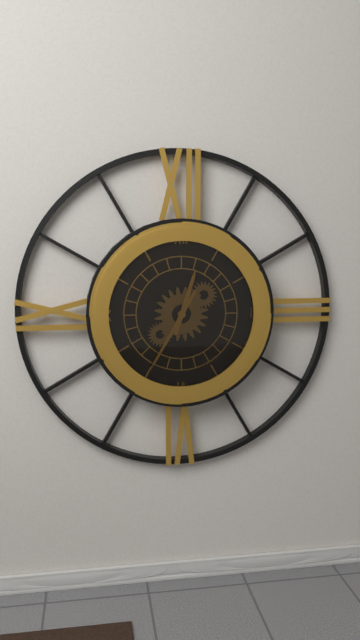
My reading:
**12:35**
